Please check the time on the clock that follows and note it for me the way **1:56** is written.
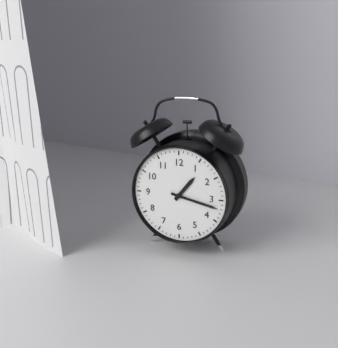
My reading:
**1:17**
